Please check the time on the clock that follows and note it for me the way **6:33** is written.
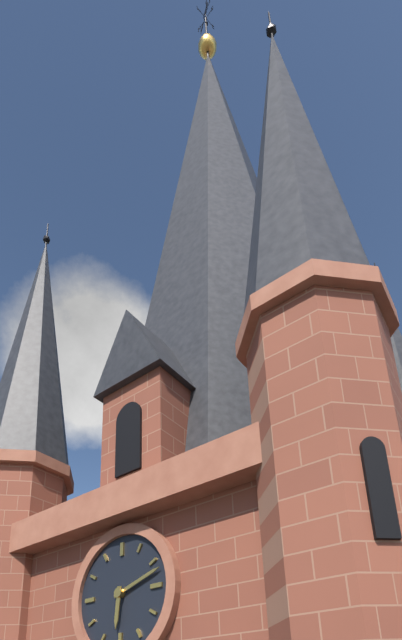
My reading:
**6:12**
